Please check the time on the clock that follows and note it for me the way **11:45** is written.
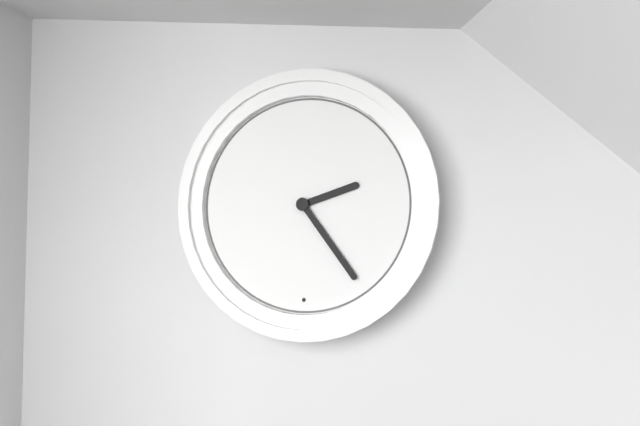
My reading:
**2:24**
